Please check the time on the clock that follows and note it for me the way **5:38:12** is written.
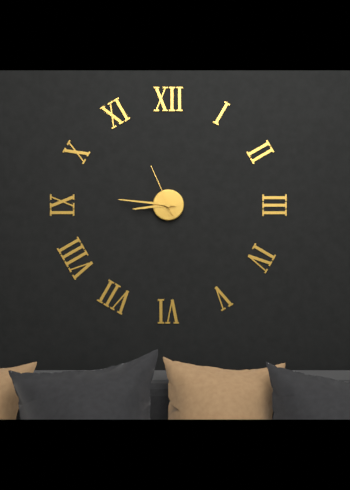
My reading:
**8:46:56**
